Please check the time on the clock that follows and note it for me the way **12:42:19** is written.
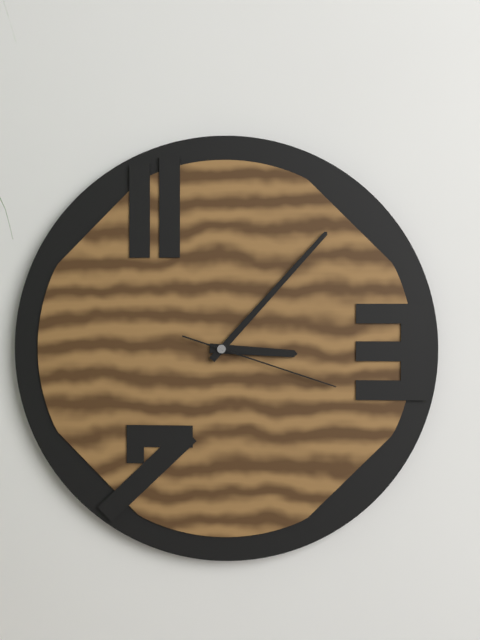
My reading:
**3:07:18**
